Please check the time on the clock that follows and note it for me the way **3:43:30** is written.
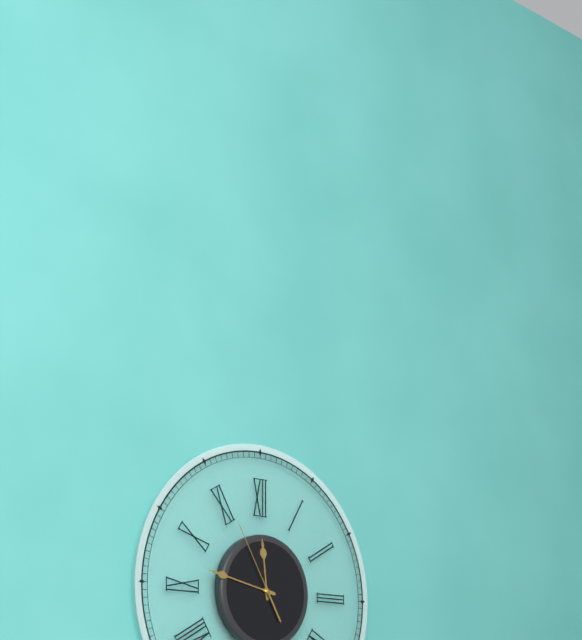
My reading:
**11:47:55**
